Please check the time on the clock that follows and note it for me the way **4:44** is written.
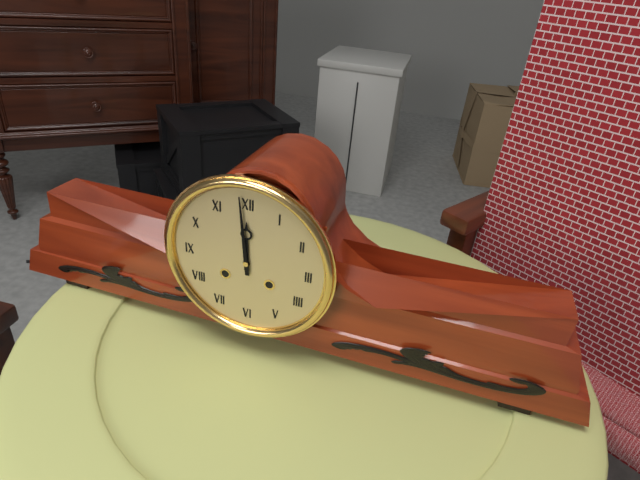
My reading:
**11:59**
